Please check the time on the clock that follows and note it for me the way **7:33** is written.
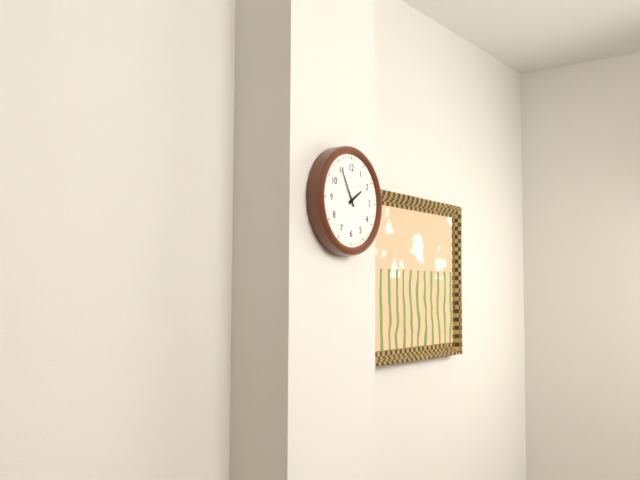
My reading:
**1:55**
